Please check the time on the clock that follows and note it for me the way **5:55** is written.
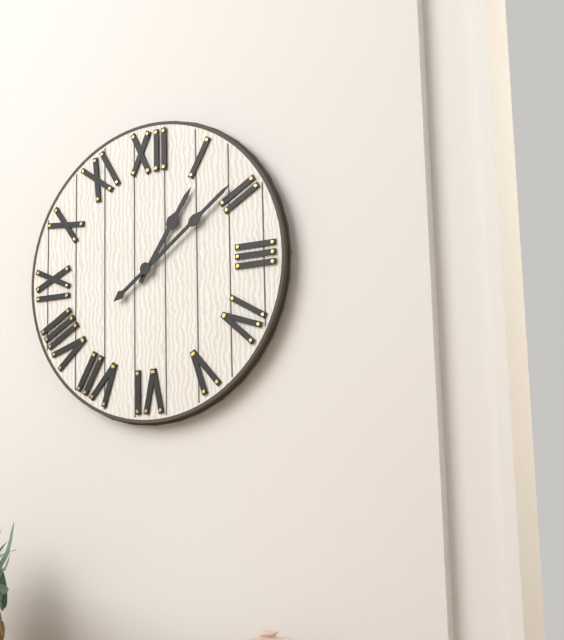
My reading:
**1:09**
